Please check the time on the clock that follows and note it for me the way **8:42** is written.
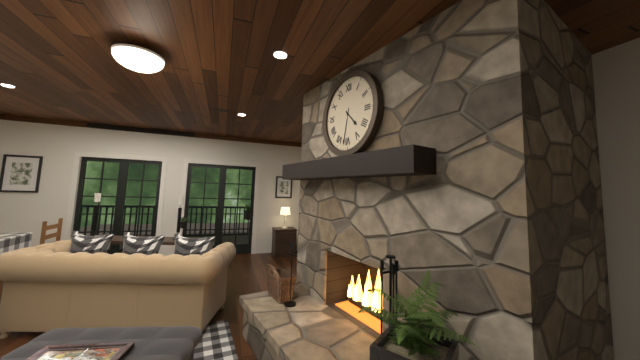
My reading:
**4:32**
